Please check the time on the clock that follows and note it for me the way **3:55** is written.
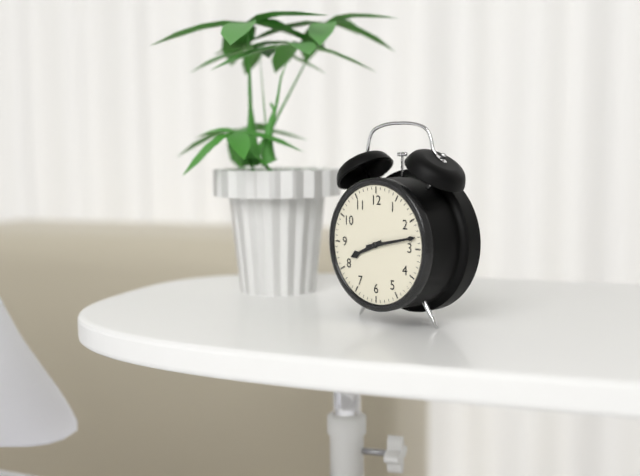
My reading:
**8:13**
